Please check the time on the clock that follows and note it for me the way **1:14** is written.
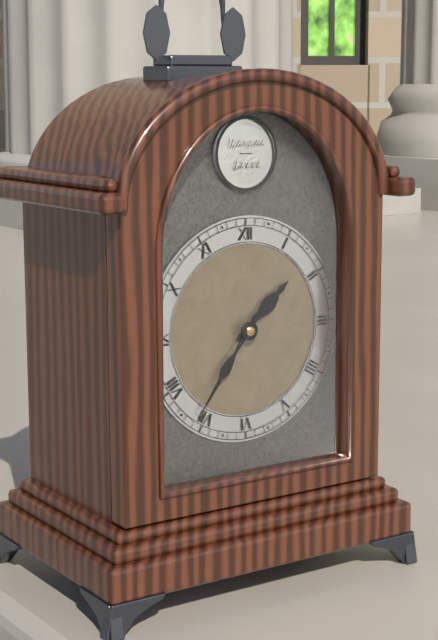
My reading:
**1:36**
